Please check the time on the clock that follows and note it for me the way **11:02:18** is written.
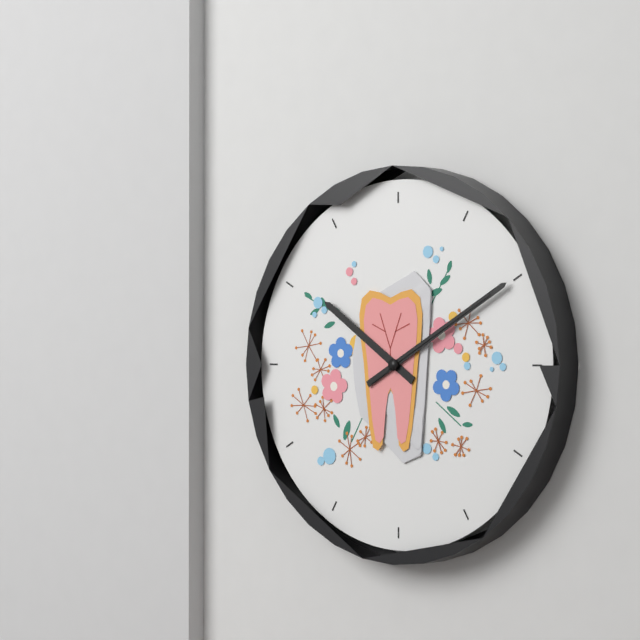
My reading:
**10:10:10**
